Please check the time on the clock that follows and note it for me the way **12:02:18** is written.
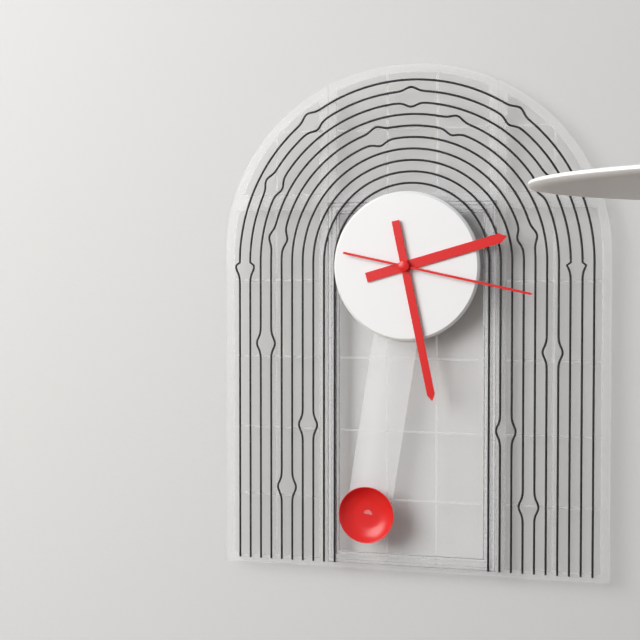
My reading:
**2:28:17**
